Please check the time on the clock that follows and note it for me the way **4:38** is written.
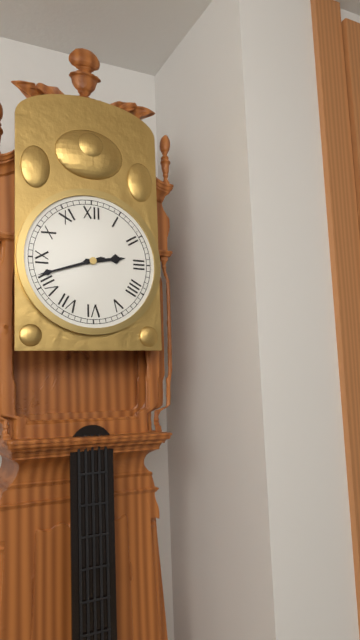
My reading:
**2:42**
